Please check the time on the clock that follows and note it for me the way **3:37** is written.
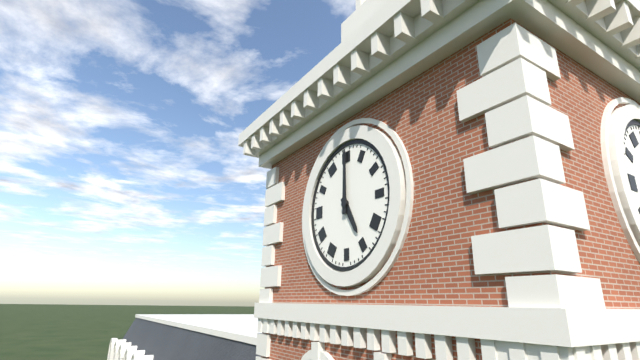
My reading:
**5:00**
